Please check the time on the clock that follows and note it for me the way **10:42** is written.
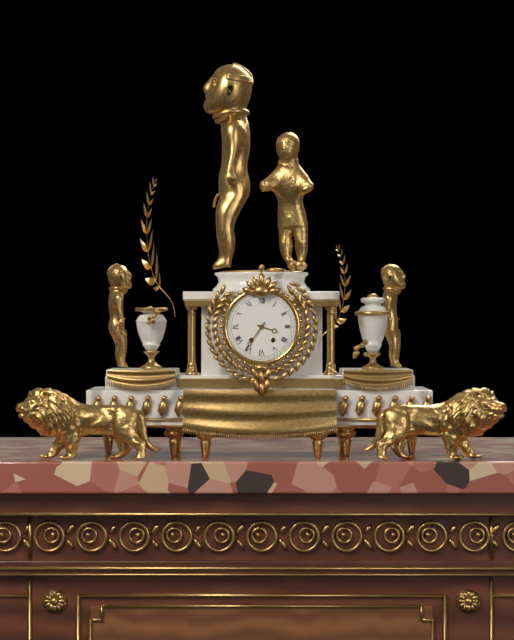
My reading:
**3:36**
